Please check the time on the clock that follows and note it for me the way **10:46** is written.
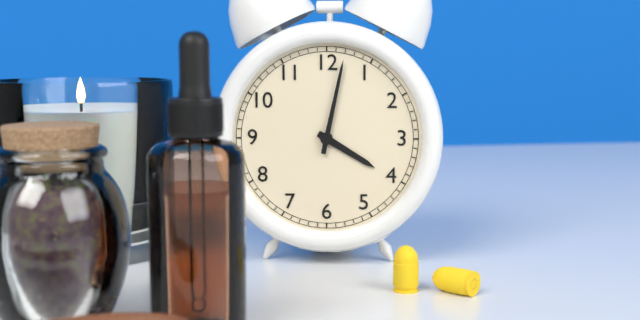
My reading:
**4:02**
